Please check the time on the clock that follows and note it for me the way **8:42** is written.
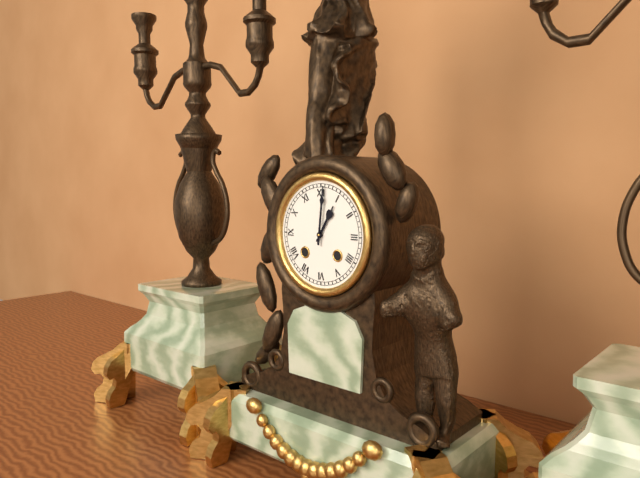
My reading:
**1:01**
